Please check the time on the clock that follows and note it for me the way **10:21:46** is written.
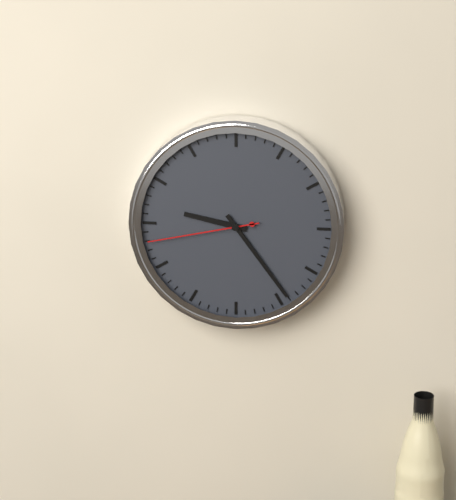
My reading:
**9:24:43**
